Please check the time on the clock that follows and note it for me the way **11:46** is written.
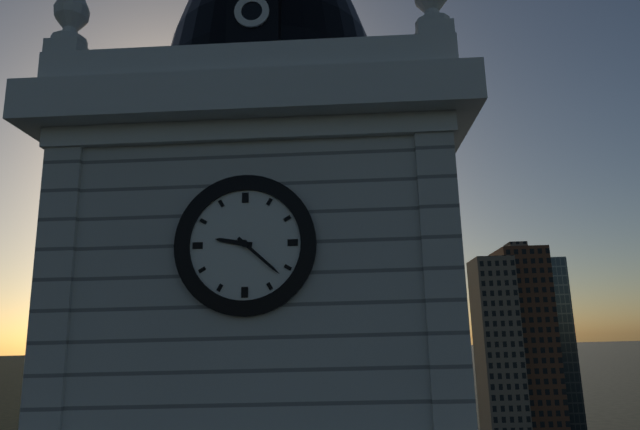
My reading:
**9:22**
